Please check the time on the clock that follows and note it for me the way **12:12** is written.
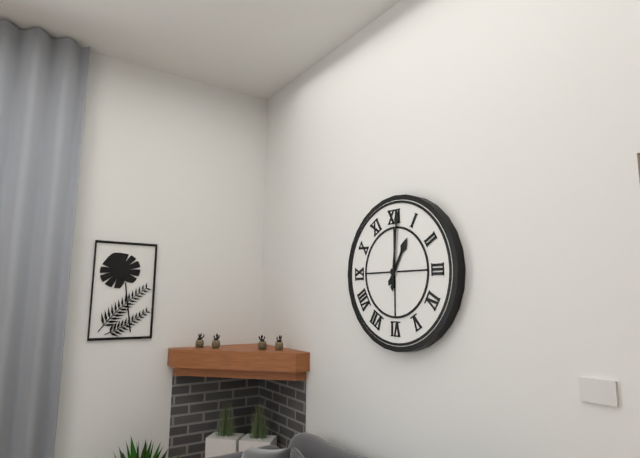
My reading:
**1:01**
